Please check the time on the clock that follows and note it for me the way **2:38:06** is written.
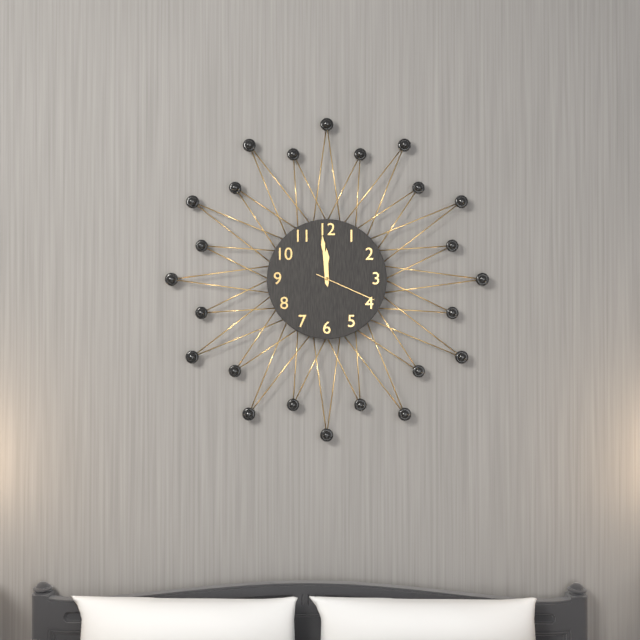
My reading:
**11:59:19**
